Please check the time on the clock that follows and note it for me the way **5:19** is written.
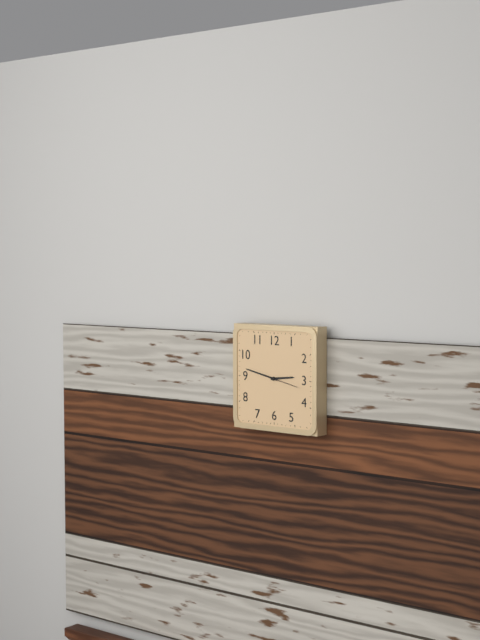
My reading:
**2:47**
